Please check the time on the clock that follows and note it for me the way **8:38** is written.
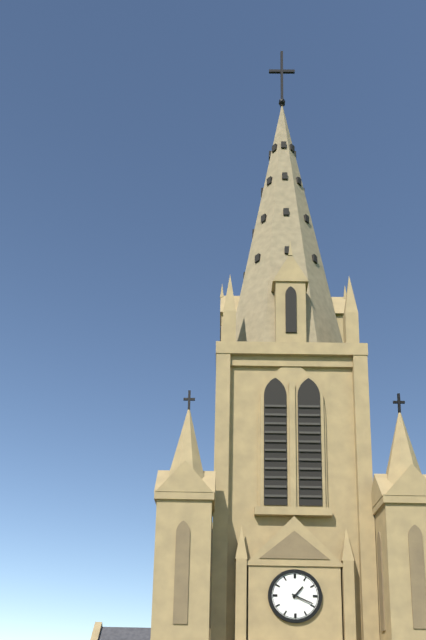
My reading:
**1:19**
